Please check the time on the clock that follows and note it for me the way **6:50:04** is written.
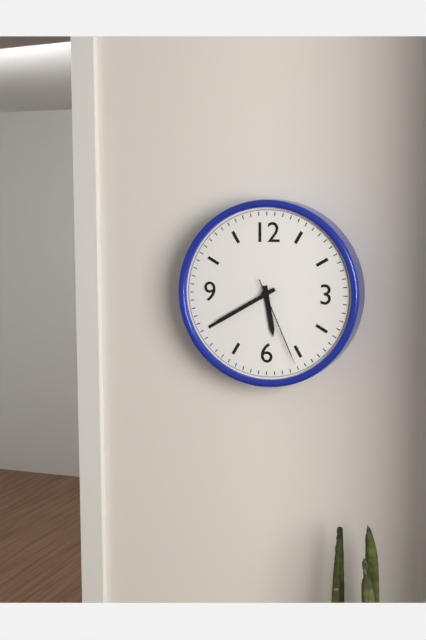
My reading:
**5:40:26**
